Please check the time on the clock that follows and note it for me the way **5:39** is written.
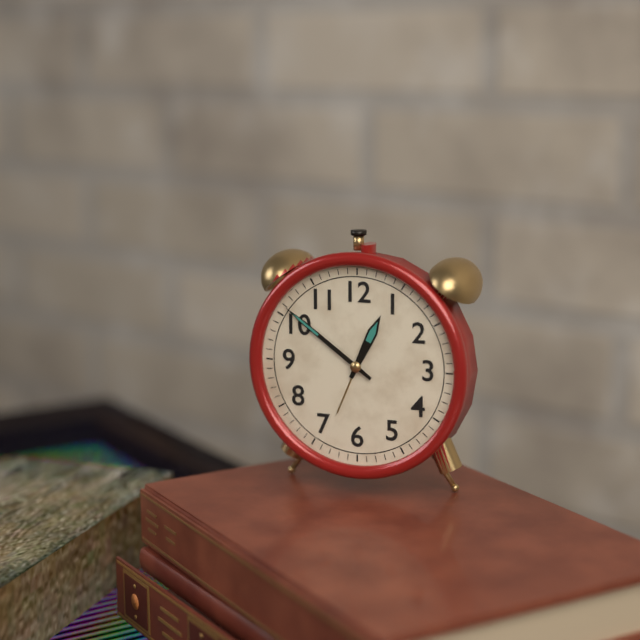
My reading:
**12:51**
